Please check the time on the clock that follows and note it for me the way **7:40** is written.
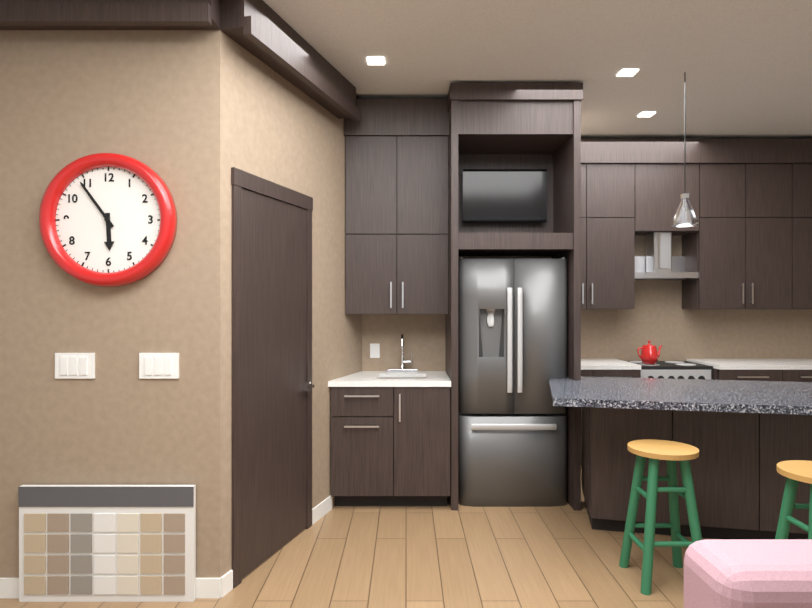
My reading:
**5:54**
